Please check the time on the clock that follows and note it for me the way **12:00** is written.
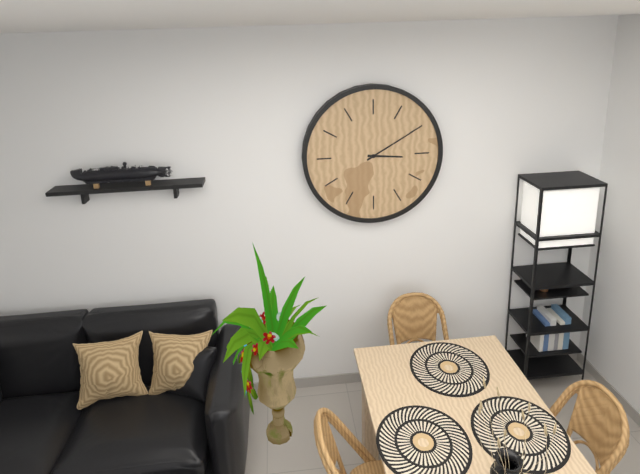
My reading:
**3:10**
